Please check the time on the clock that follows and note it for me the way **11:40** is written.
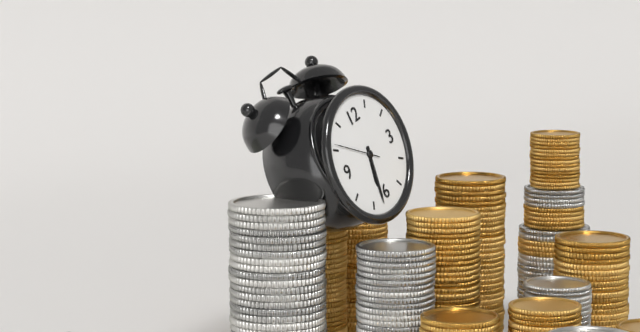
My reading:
**6:32**
